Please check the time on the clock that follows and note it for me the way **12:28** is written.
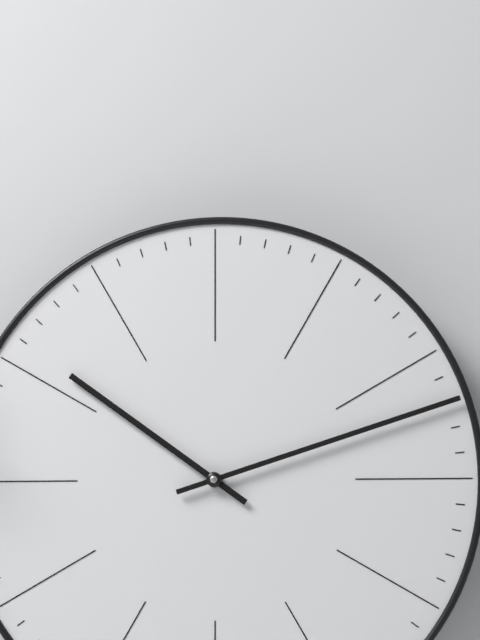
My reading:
**10:12**
